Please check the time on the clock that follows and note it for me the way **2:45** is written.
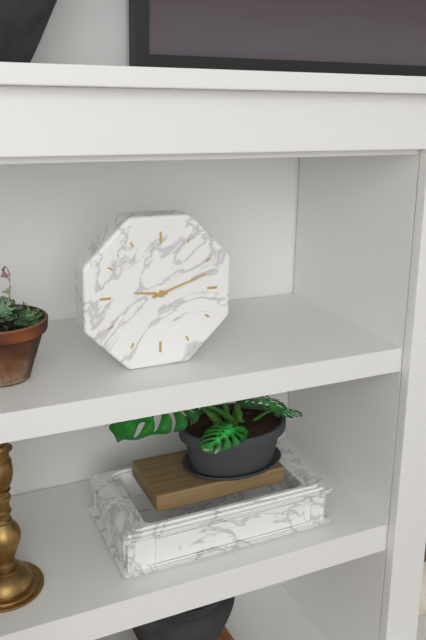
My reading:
**9:12**
